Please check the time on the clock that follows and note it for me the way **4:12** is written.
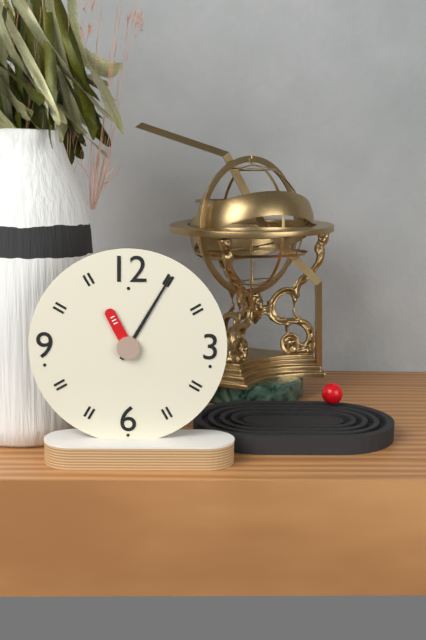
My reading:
**11:05**
